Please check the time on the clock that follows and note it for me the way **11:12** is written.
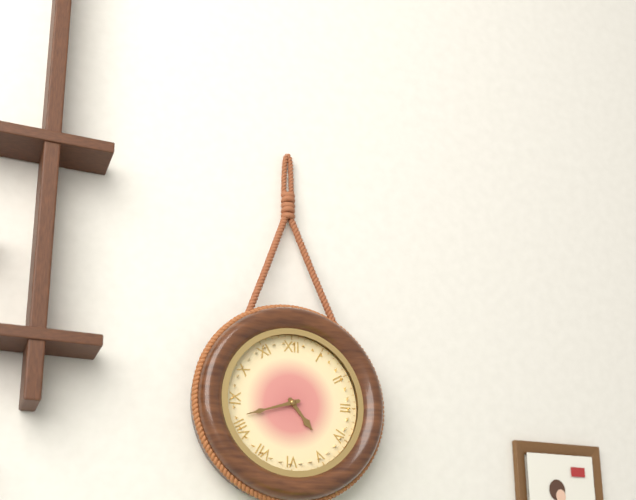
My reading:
**4:42**
